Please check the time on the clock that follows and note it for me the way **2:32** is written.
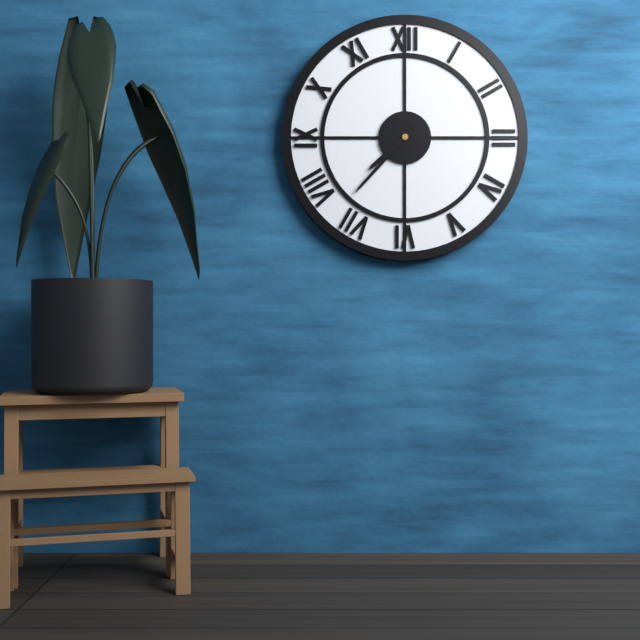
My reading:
**7:37**
